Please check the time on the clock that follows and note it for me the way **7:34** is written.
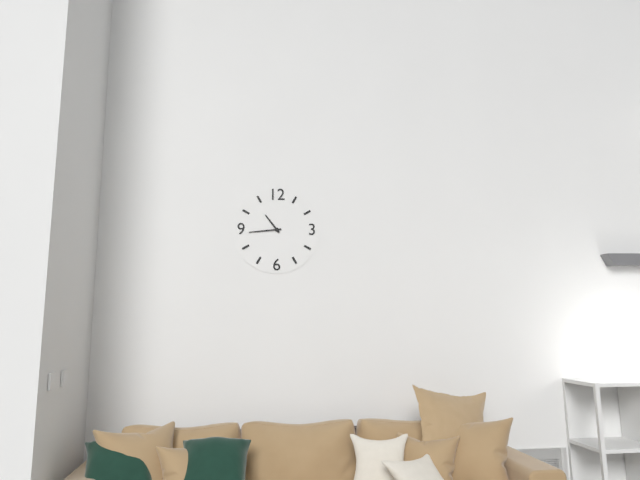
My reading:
**10:44**
